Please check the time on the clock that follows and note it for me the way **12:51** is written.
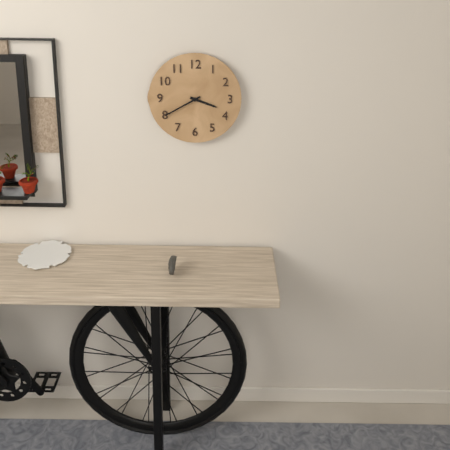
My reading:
**3:40**
